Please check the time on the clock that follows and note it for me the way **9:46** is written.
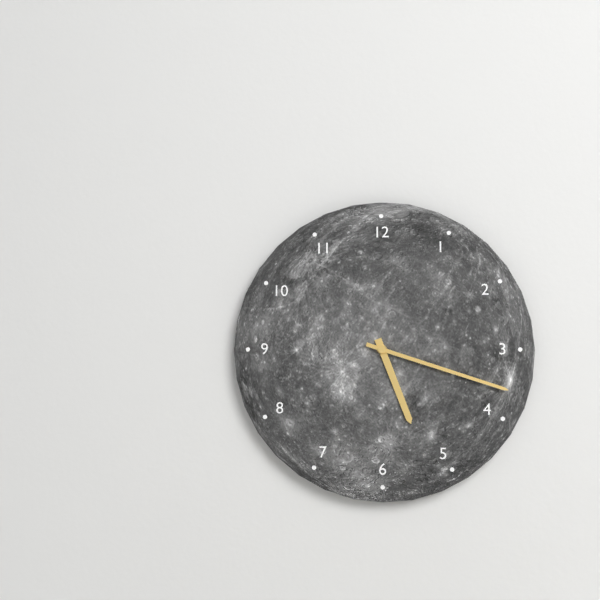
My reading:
**5:18**
